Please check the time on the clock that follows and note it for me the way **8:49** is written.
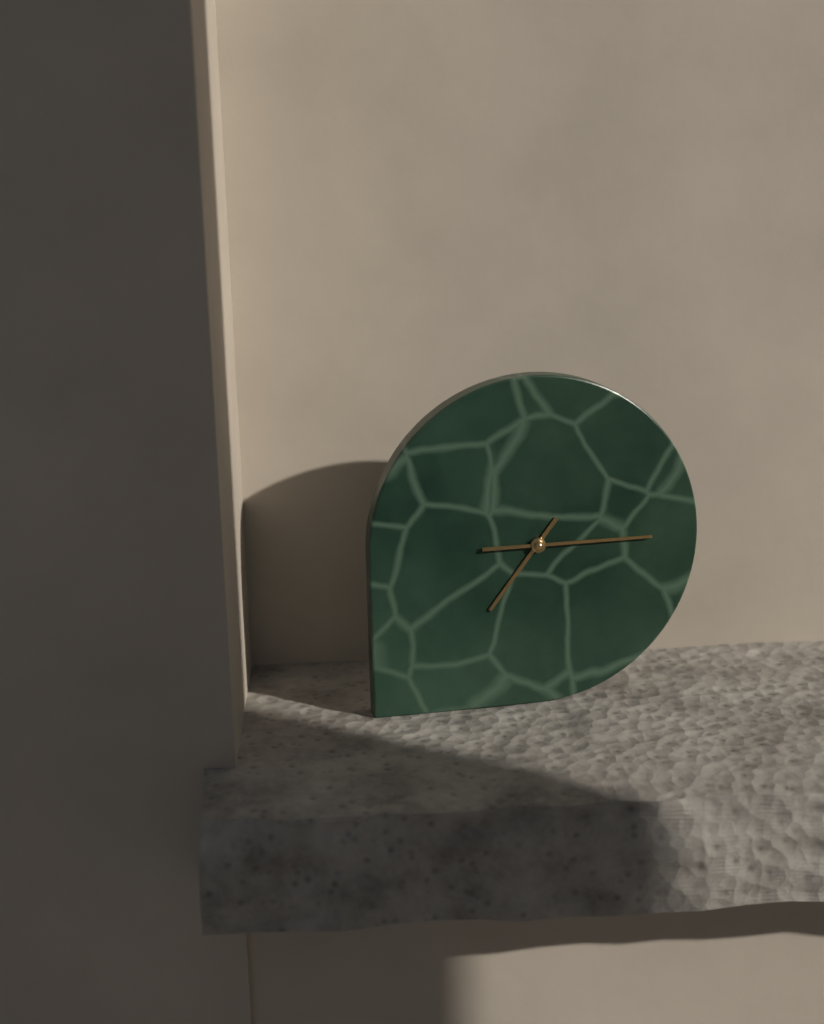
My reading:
**7:15**
